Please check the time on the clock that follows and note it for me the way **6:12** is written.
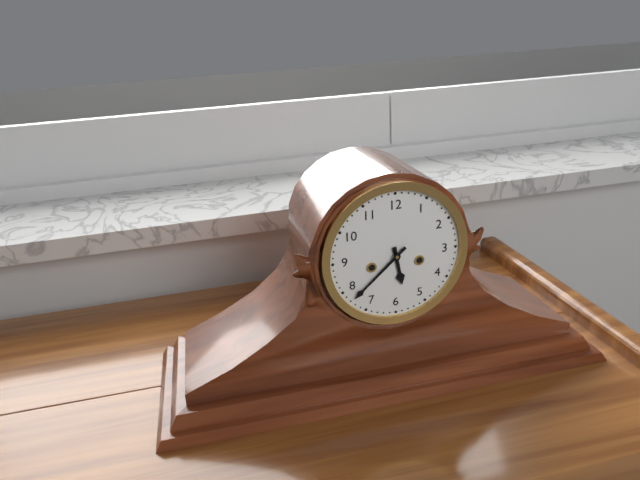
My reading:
**5:38**
